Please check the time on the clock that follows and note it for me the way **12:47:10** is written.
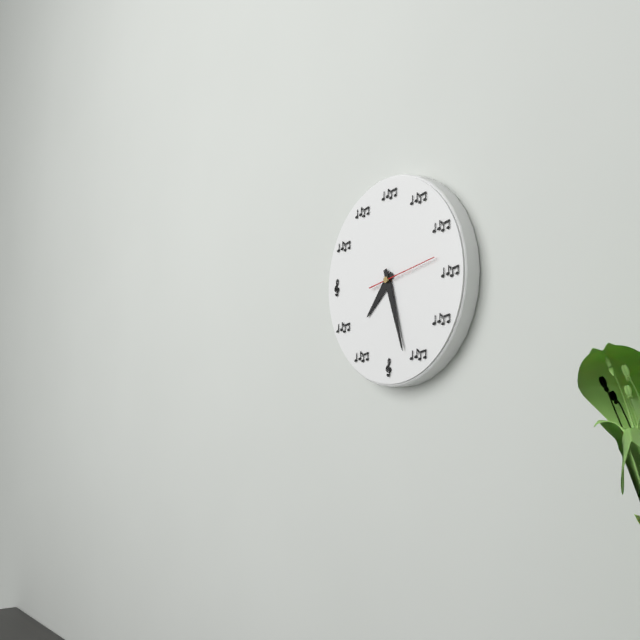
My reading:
**7:27:13**
